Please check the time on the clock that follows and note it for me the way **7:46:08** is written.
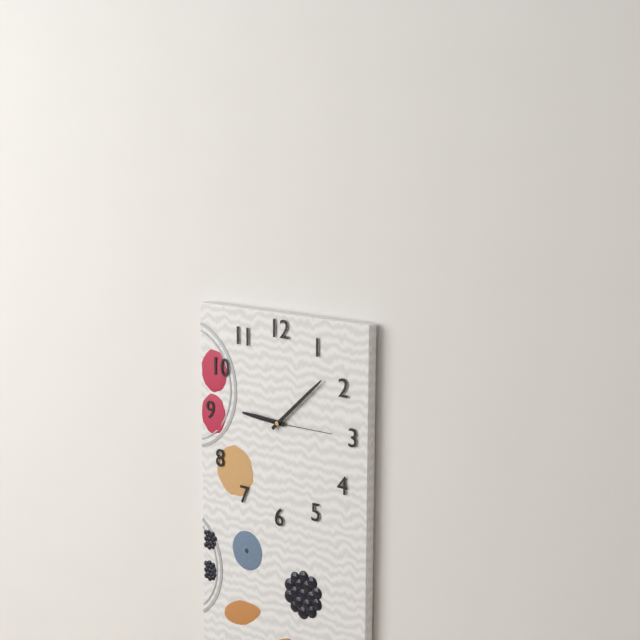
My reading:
**9:08:15**
